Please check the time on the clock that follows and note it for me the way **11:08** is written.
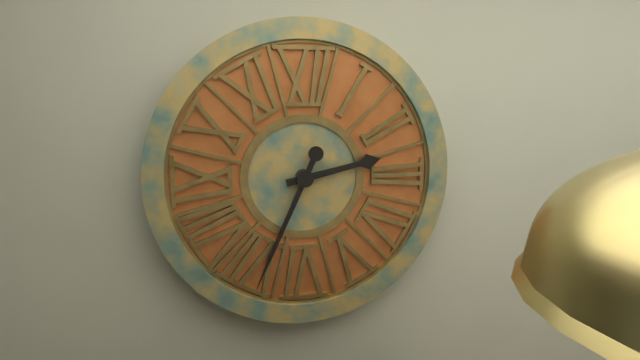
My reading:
**2:34**
